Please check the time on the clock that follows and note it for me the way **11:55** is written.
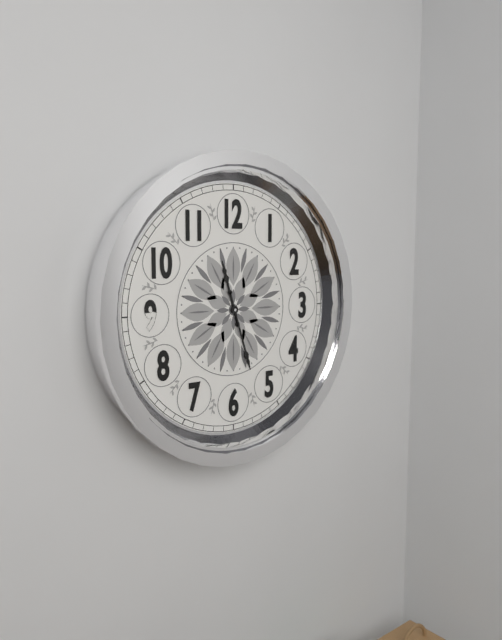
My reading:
**11:27**
